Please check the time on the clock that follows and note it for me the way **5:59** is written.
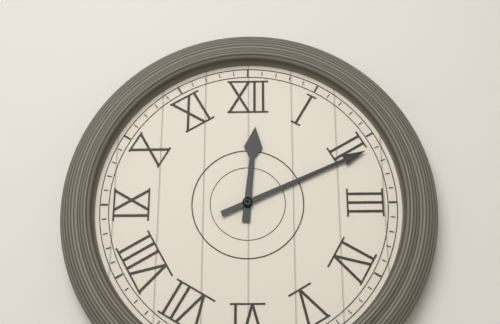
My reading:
**12:11**
